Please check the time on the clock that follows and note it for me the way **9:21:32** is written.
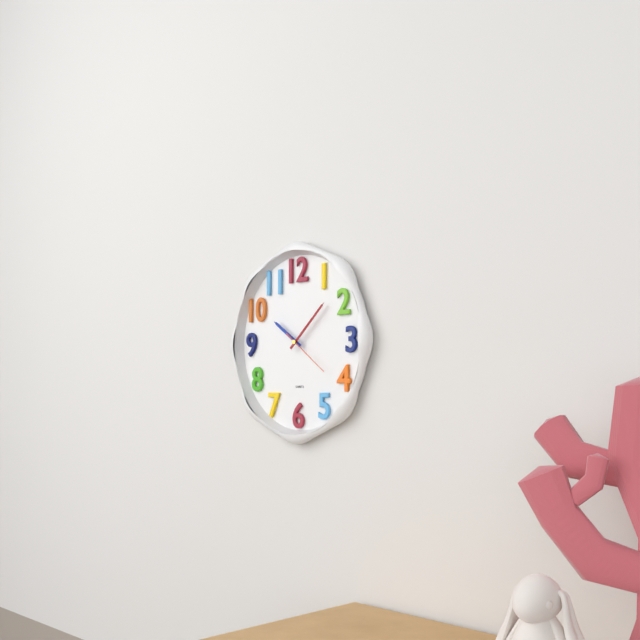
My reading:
**10:08:21**
